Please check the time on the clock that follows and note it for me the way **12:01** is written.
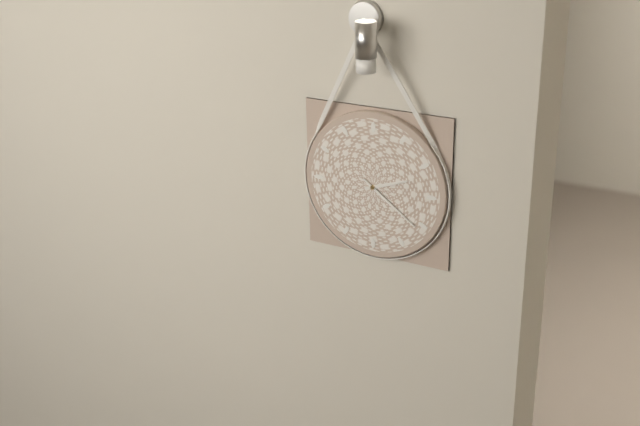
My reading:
**2:21**
